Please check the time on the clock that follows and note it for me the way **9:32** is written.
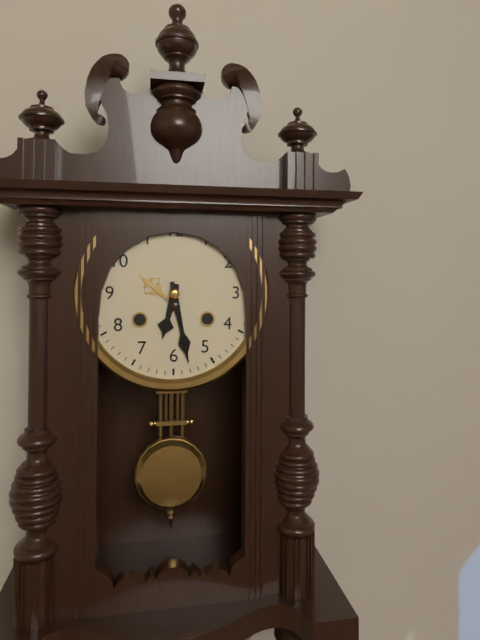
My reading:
**6:28**
